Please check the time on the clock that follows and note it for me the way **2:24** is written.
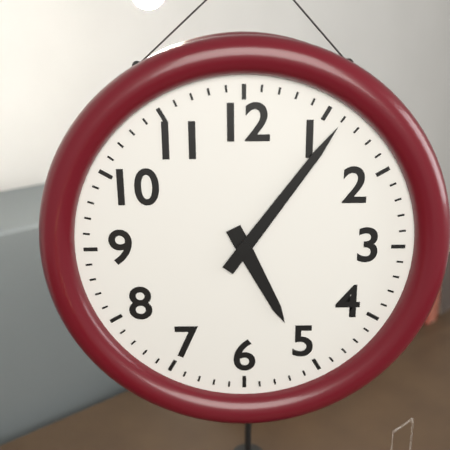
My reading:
**5:06**
